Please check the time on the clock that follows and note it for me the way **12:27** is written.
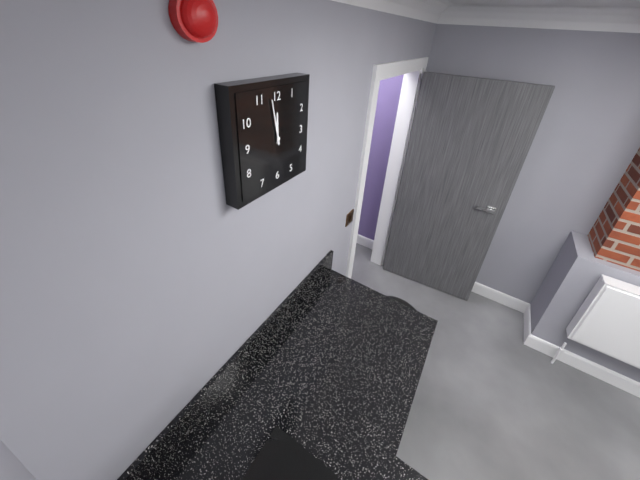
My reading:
**11:58**
